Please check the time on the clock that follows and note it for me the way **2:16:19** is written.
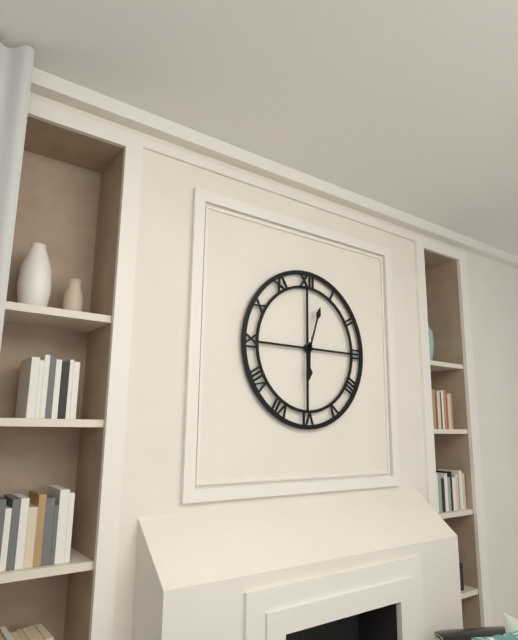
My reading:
**6:03:31**
